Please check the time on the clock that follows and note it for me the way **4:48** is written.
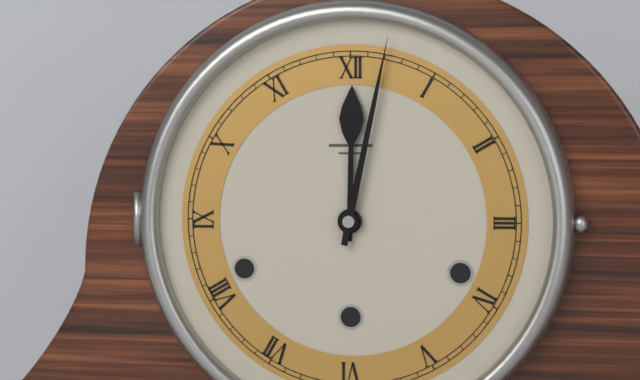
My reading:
**12:02**
